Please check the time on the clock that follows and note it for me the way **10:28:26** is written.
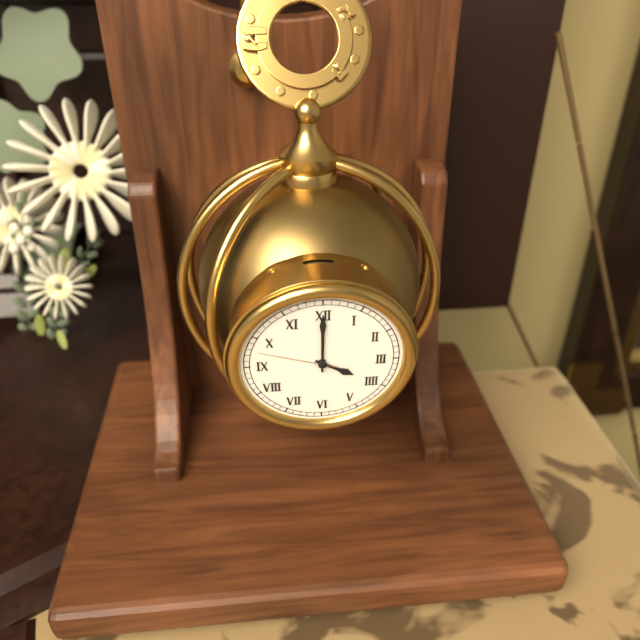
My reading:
**4:00:48**
